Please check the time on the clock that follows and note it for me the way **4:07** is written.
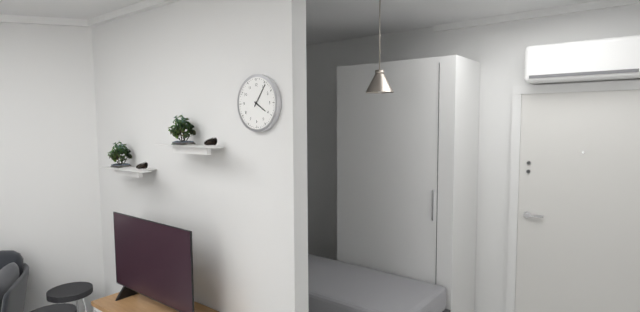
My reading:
**4:06**
